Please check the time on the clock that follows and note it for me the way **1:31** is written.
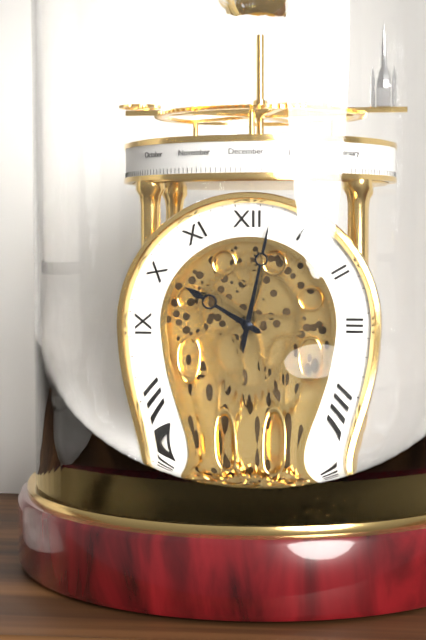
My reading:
**10:02**
